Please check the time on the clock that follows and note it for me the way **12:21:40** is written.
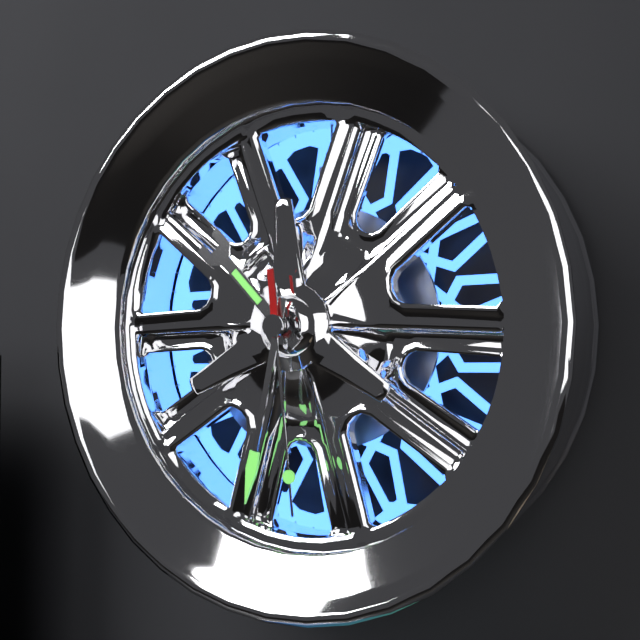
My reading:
**10:32:29**
